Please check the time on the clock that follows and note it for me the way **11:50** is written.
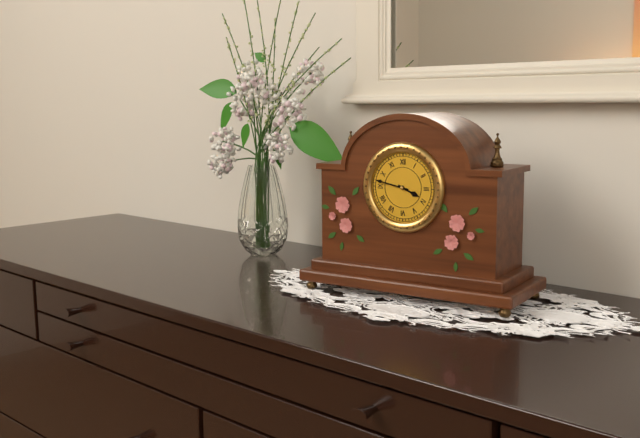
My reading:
**3:47**
